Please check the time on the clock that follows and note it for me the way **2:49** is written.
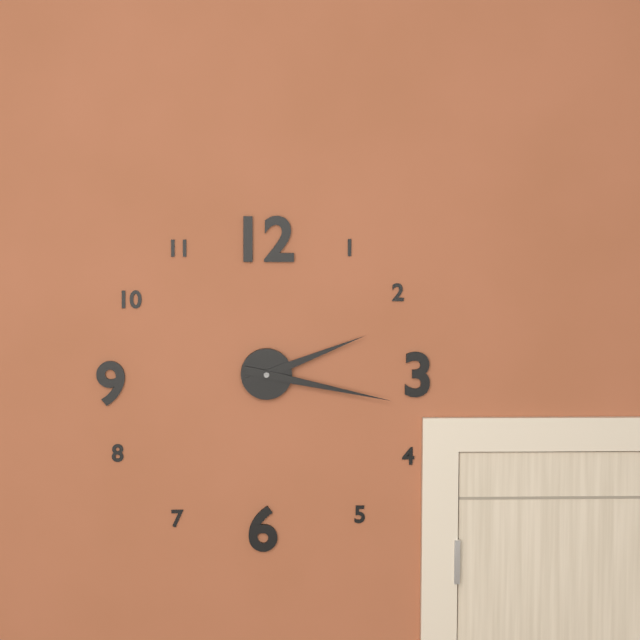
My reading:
**2:17**
